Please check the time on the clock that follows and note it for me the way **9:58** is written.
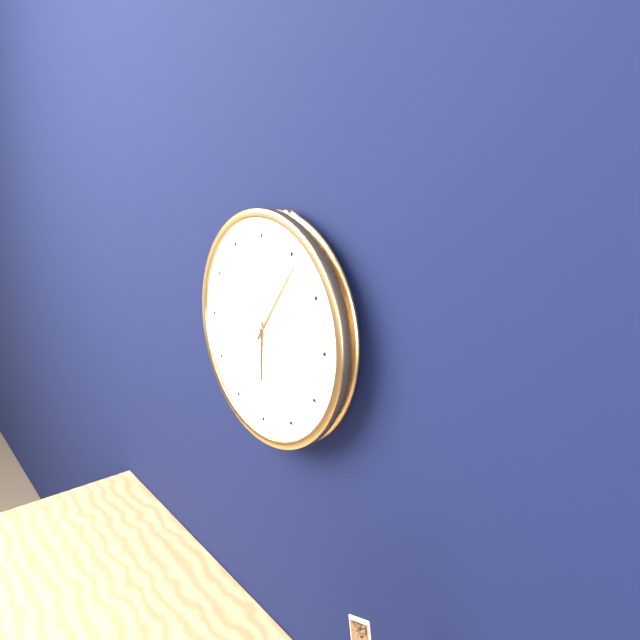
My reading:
**6:06**
